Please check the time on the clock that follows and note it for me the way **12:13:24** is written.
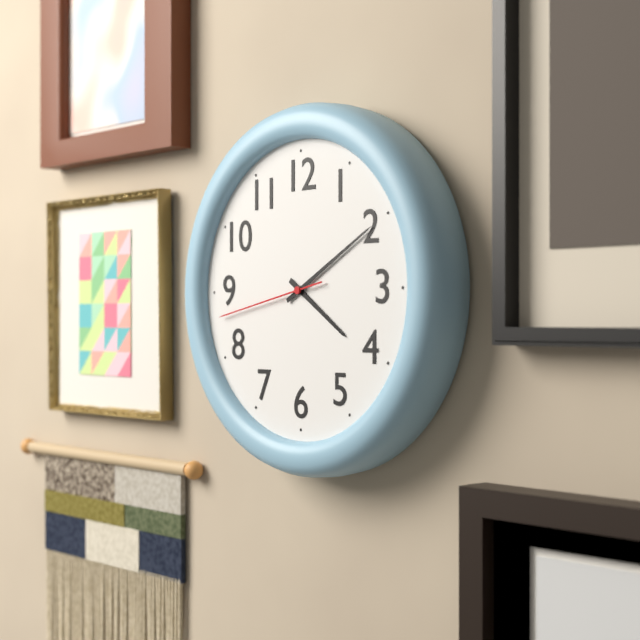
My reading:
**4:10:43**
